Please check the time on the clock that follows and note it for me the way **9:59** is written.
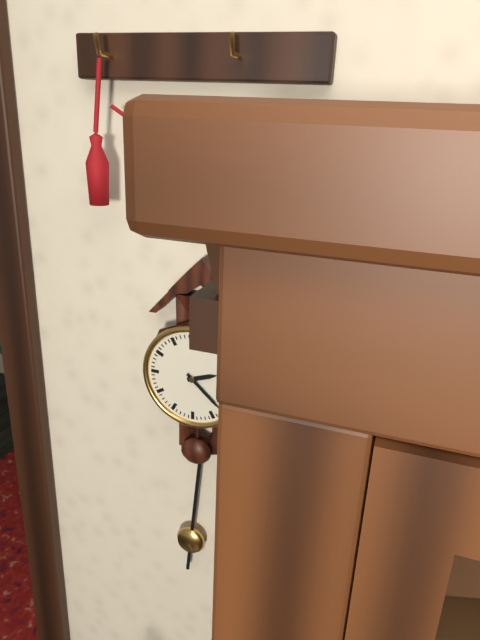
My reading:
**2:22**
